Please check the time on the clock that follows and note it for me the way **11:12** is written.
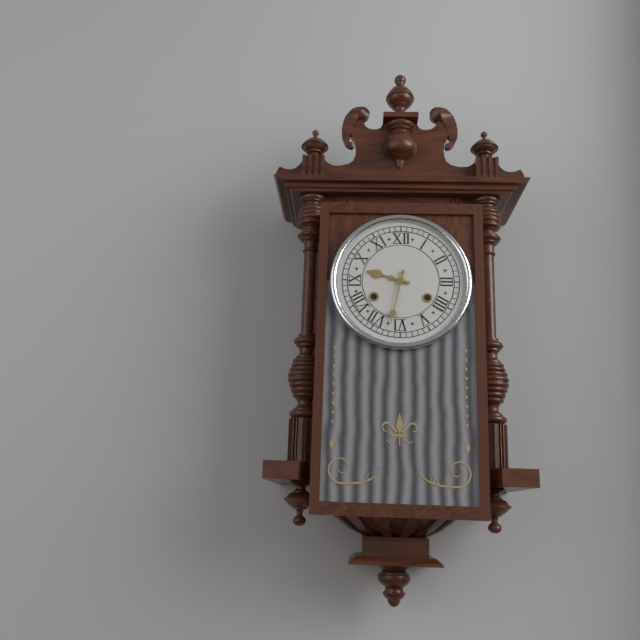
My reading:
**9:32**
